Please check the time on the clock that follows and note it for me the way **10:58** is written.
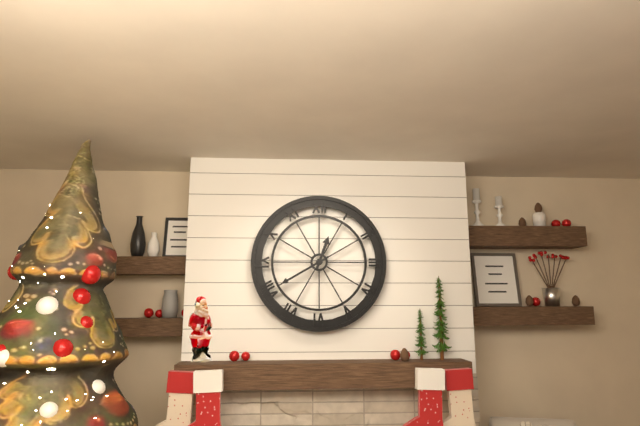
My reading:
**12:40**
